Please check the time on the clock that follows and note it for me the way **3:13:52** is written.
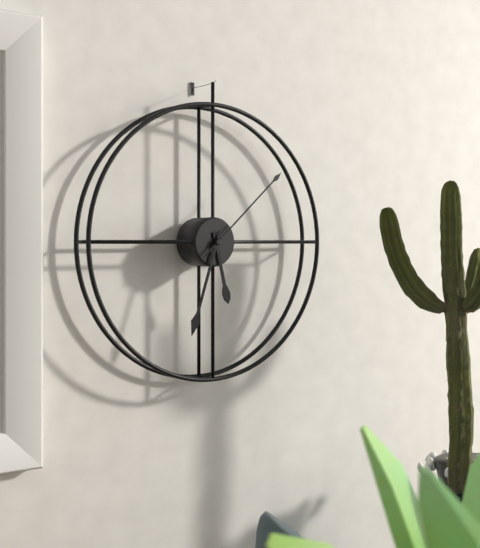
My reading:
**5:33:08**
